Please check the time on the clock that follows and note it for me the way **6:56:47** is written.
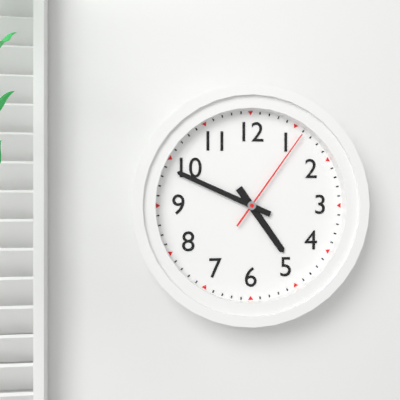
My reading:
**4:49:06**
